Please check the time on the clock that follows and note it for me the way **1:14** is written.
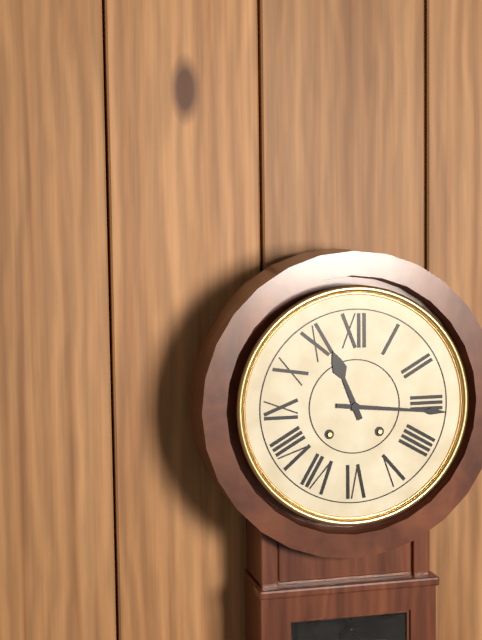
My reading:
**11:16**
